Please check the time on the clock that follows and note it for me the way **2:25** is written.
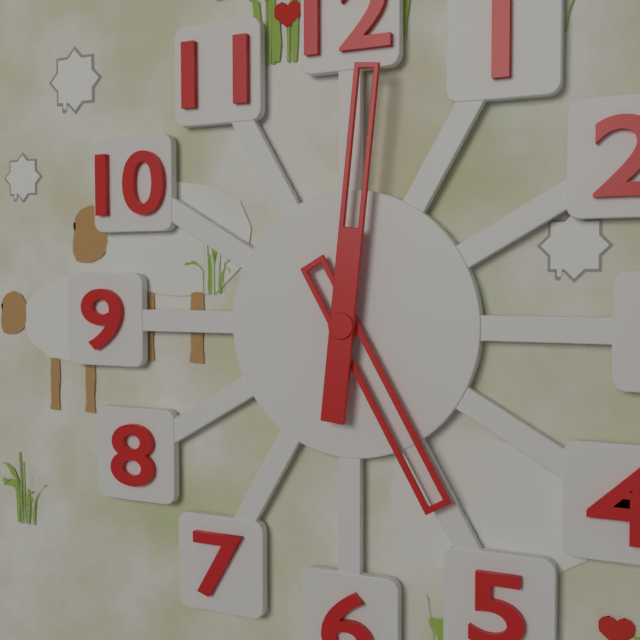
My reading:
**5:01**
